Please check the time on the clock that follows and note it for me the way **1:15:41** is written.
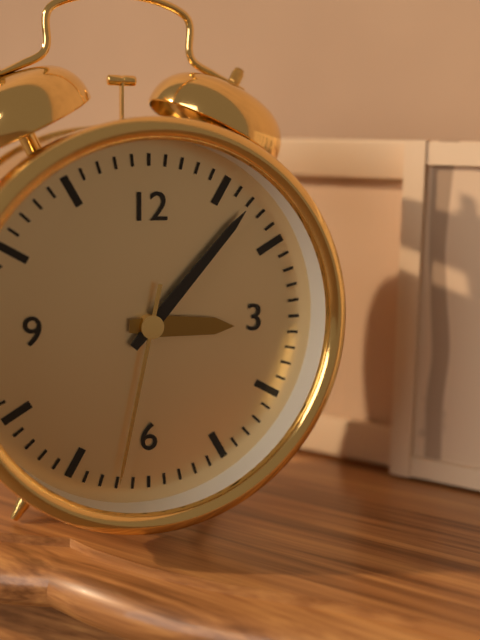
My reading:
**3:07:32**
